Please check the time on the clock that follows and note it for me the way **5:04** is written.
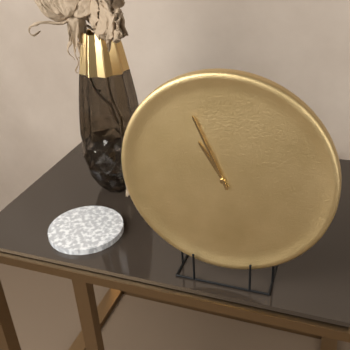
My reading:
**10:56**
